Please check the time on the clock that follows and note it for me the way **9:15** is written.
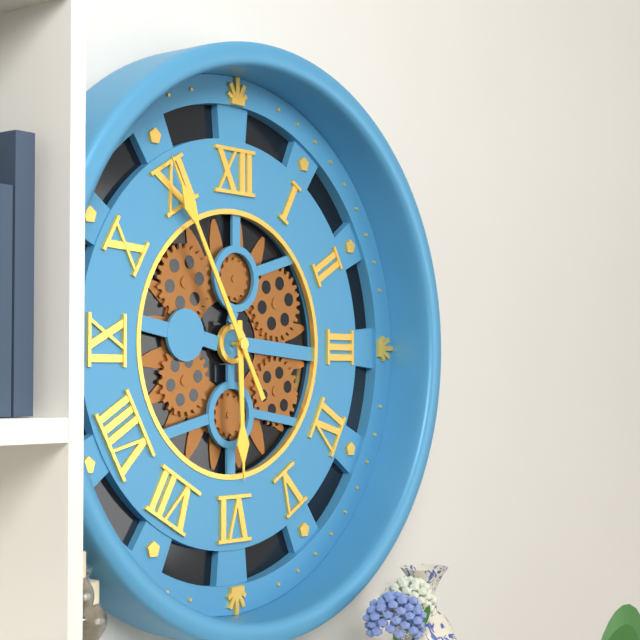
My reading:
**5:55**
